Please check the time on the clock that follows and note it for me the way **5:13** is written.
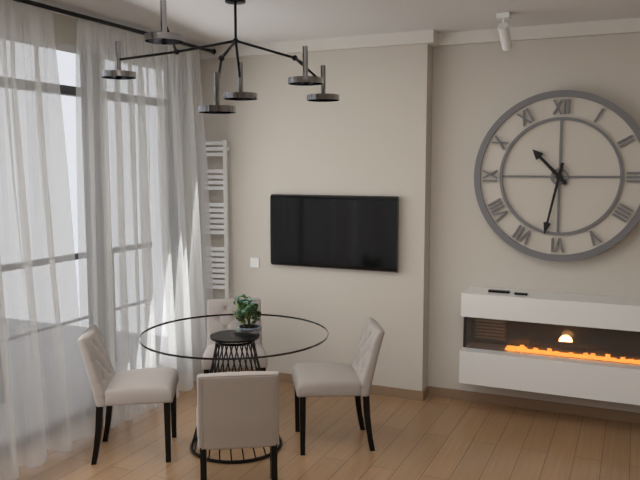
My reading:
**10:32**
